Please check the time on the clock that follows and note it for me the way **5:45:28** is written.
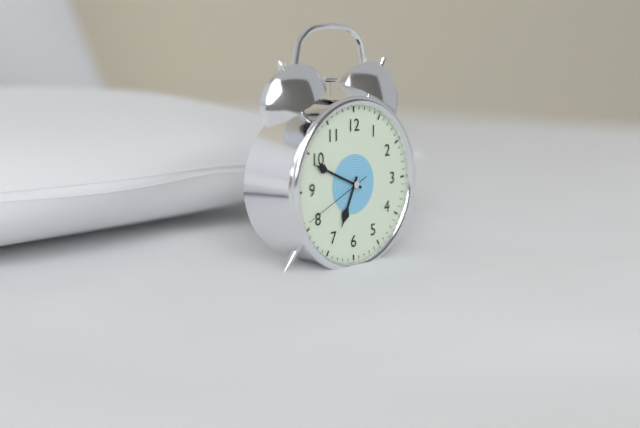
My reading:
**6:49:41**
